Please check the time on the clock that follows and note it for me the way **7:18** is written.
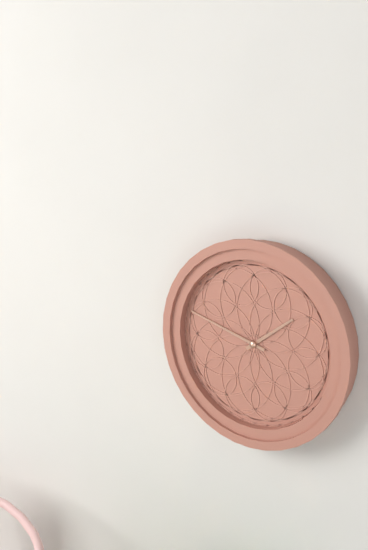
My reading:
**1:48**
